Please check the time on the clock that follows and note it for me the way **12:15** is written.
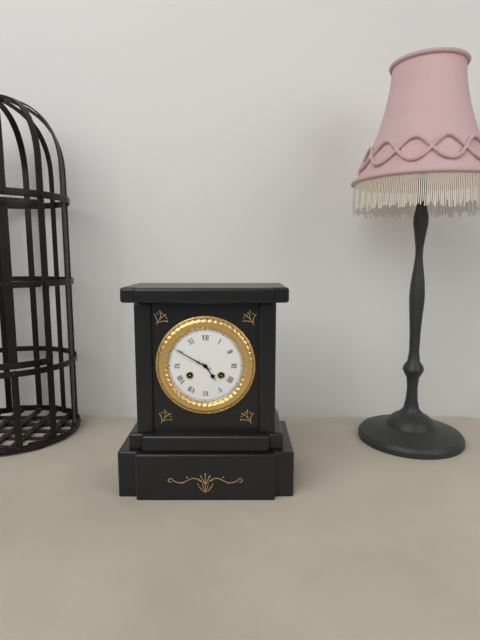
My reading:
**4:50**
